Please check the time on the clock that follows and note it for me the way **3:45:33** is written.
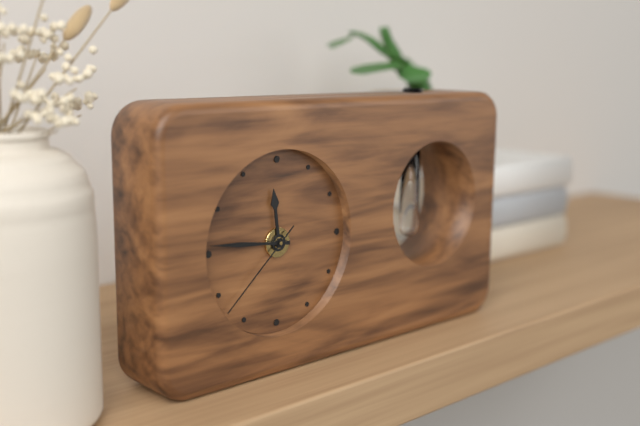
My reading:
**11:46:38**
